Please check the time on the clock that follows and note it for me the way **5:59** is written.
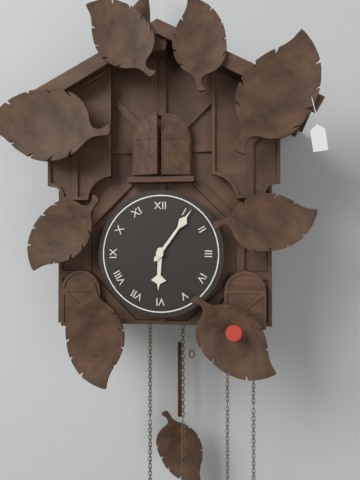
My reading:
**6:06**
